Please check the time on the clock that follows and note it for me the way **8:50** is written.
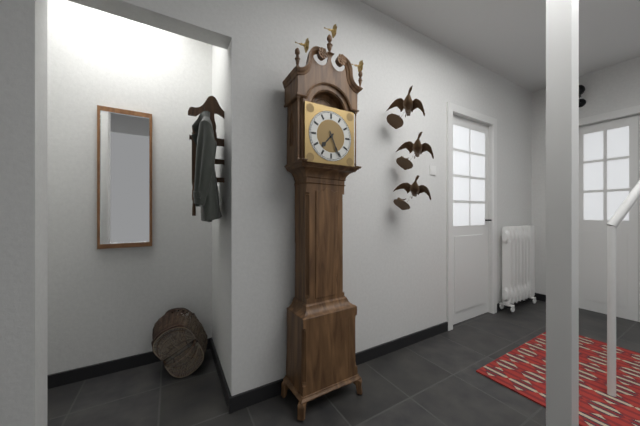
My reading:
**7:26**
